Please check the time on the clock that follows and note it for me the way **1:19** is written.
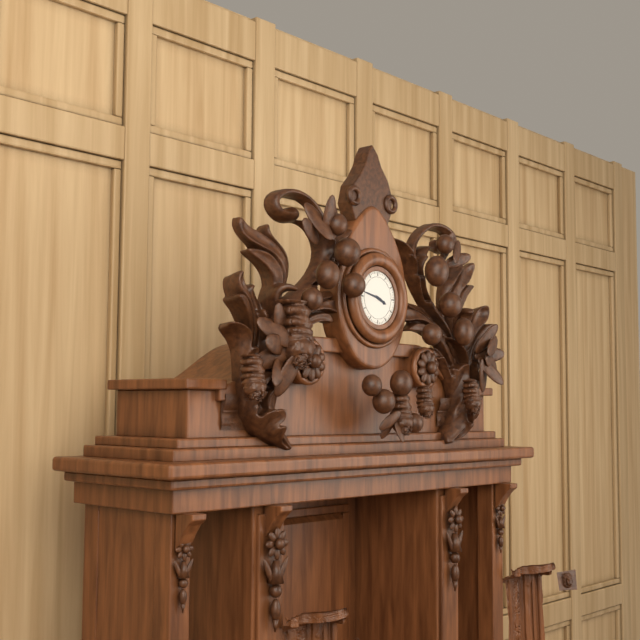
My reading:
**3:47**
